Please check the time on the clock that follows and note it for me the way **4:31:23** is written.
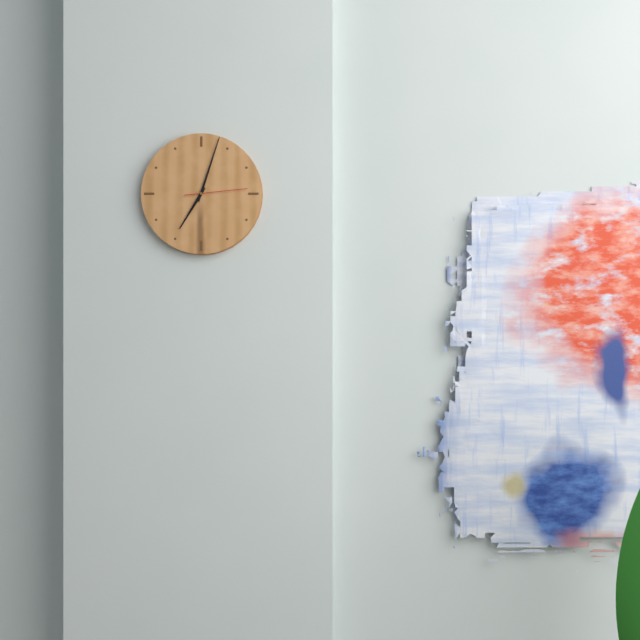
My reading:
**7:03:14**
